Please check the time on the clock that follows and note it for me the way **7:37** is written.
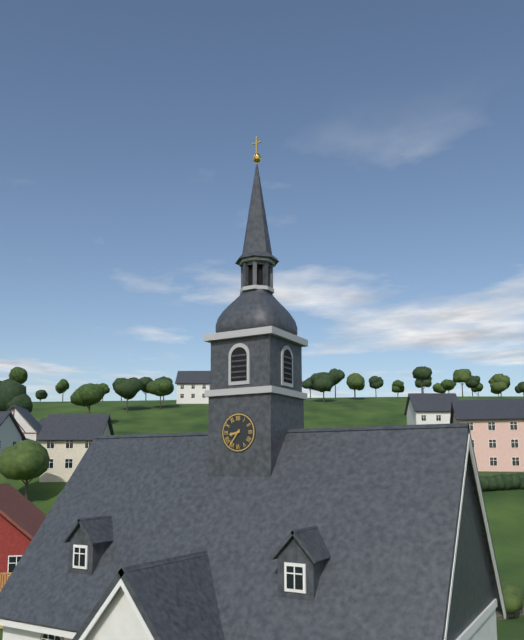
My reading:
**8:36**
